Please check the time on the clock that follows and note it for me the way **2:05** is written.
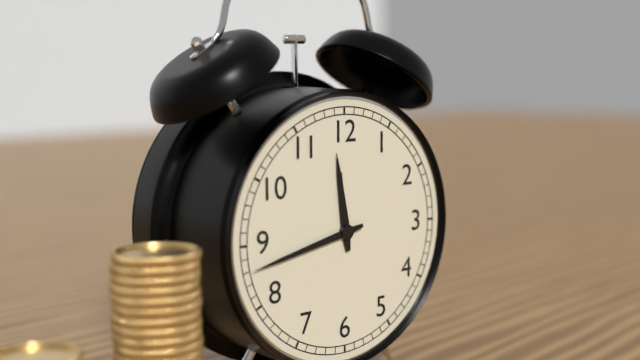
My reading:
**11:43**
